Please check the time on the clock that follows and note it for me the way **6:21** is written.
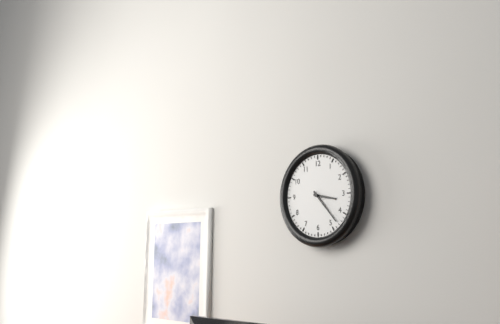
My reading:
**3:23**
